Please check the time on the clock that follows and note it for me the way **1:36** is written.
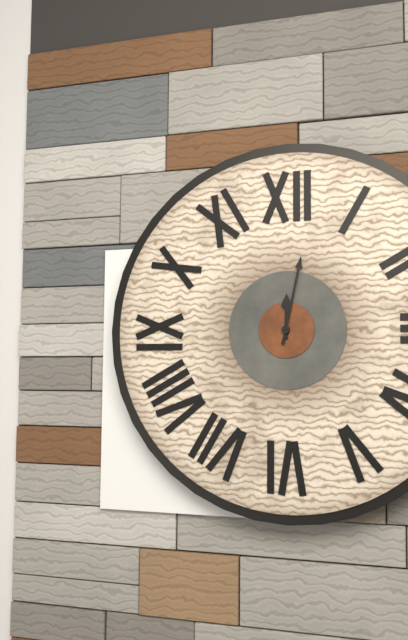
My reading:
**12:02**
